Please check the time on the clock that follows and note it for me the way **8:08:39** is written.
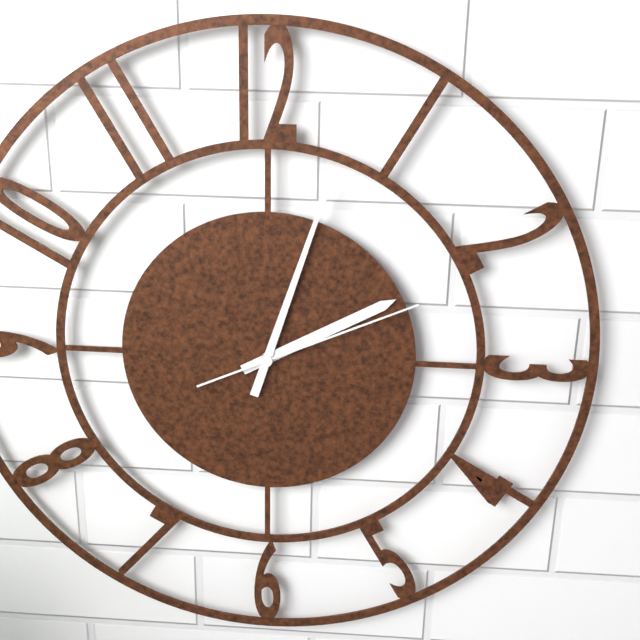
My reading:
**2:03:11**
